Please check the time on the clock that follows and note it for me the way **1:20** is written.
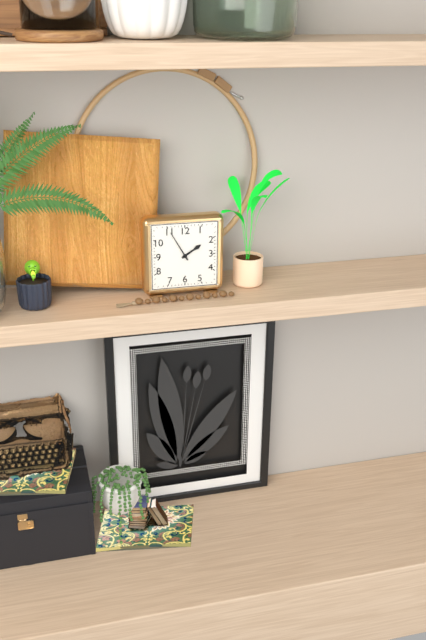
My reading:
**1:55**
